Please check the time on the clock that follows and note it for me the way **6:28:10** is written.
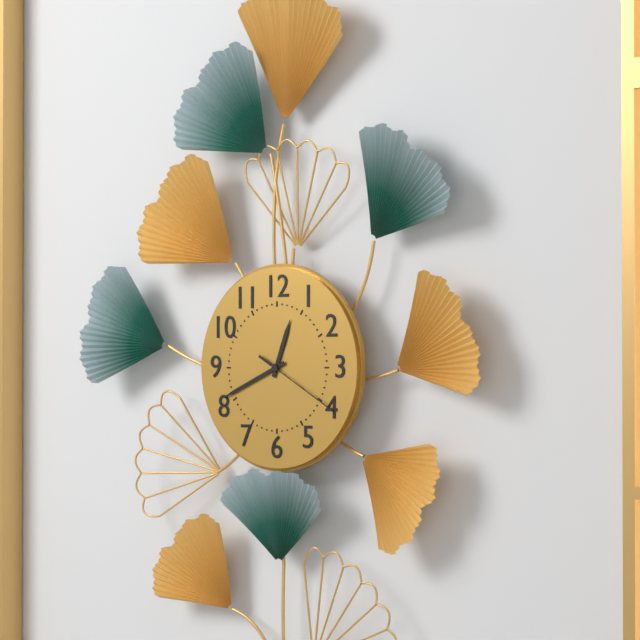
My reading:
**12:41:20**
